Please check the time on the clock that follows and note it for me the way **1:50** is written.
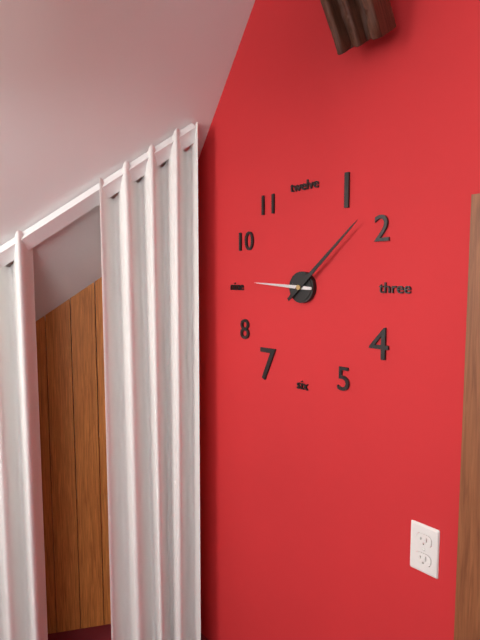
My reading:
**9:08**
